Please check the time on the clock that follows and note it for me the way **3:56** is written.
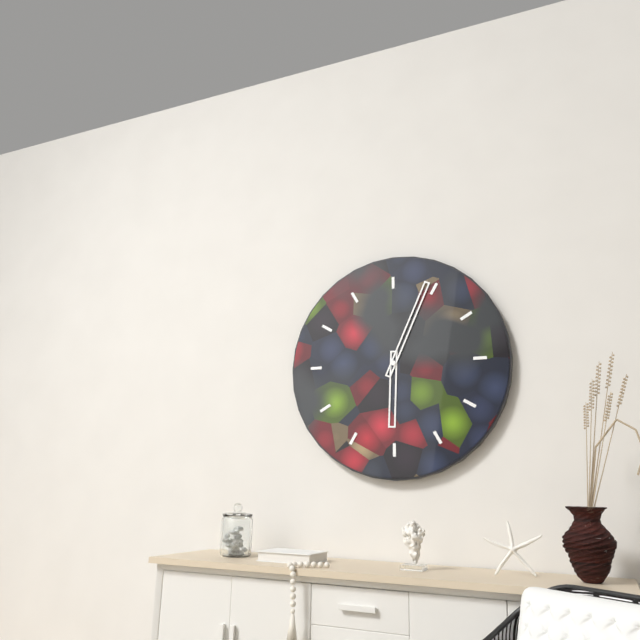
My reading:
**6:04**
